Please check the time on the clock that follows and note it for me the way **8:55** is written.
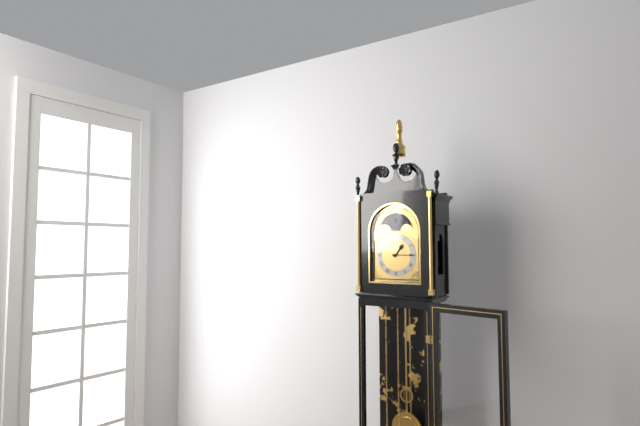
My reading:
**1:15**
